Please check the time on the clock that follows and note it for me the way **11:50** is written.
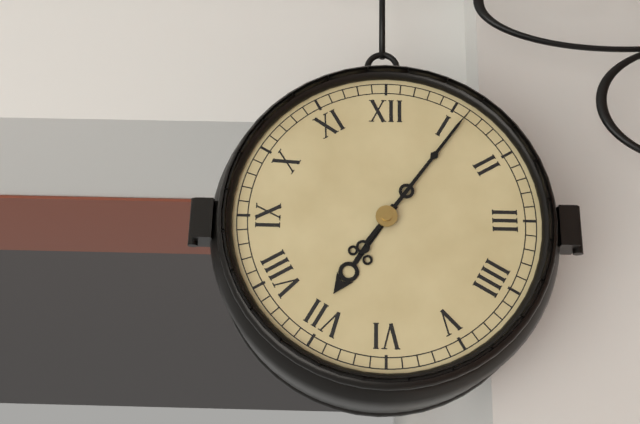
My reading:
**7:06**
